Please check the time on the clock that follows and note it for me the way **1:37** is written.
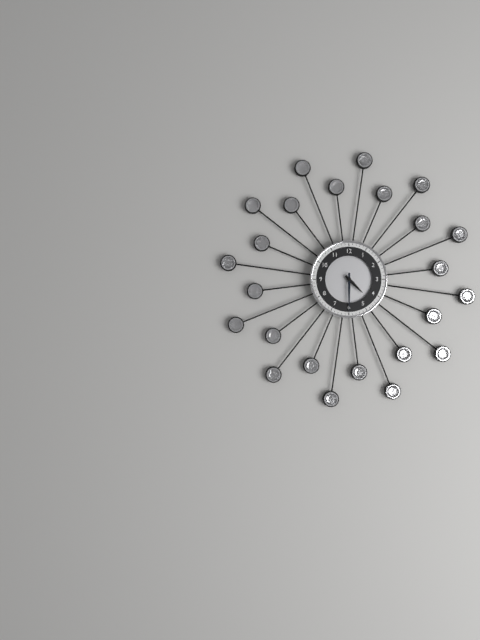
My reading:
**4:30**
